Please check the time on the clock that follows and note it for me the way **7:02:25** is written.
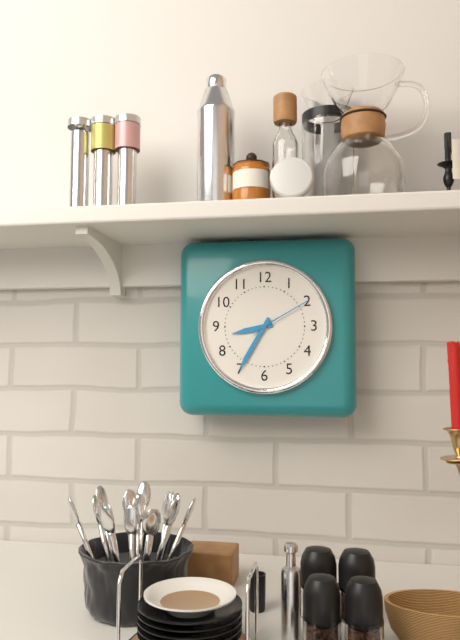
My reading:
**8:35:10**
